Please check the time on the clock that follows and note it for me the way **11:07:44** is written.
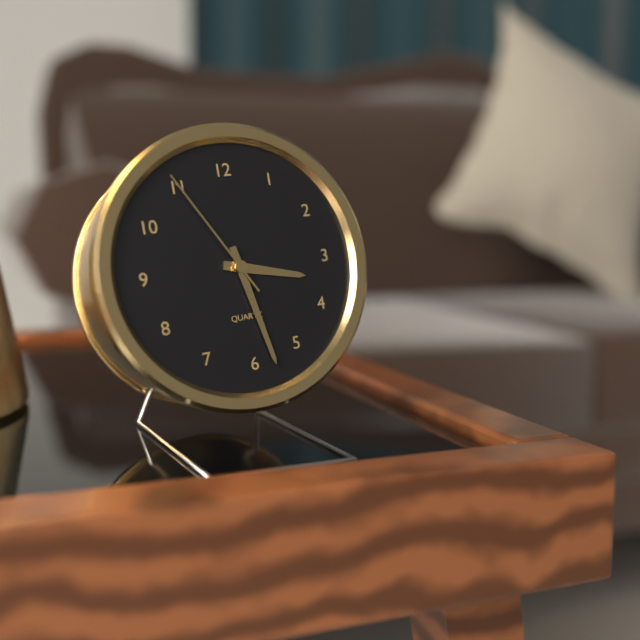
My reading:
**3:28:55**
